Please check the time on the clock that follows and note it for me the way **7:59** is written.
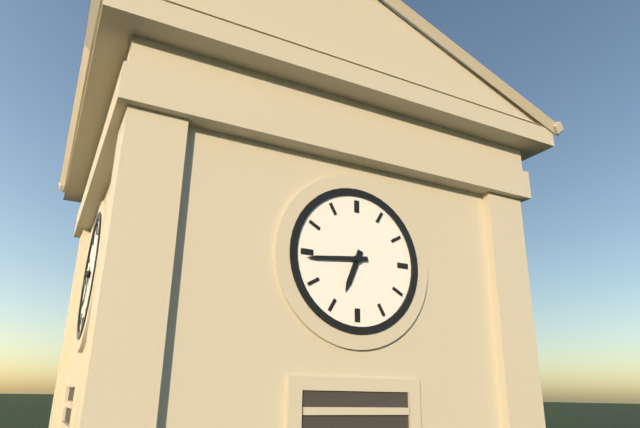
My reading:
**6:44**
